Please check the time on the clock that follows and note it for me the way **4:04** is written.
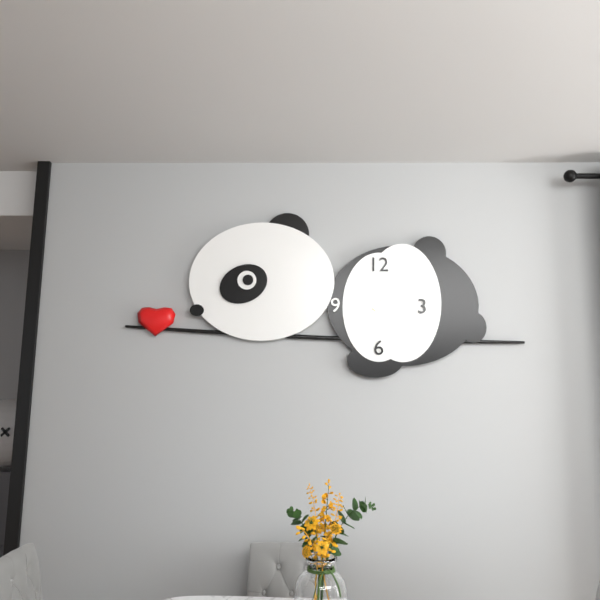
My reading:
**1:11**
